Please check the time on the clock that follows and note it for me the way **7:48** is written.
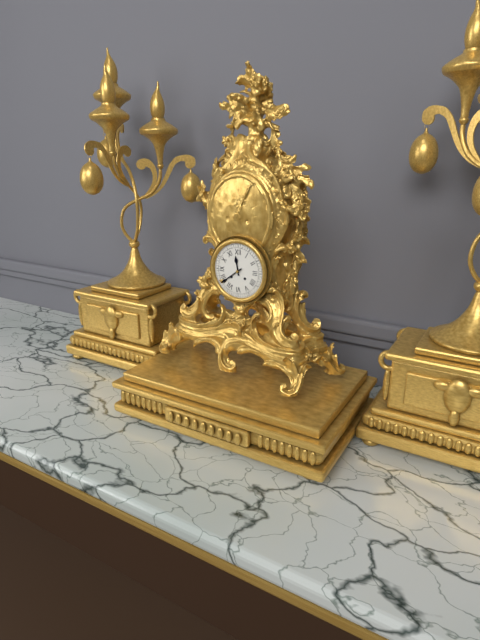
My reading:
**11:39**
